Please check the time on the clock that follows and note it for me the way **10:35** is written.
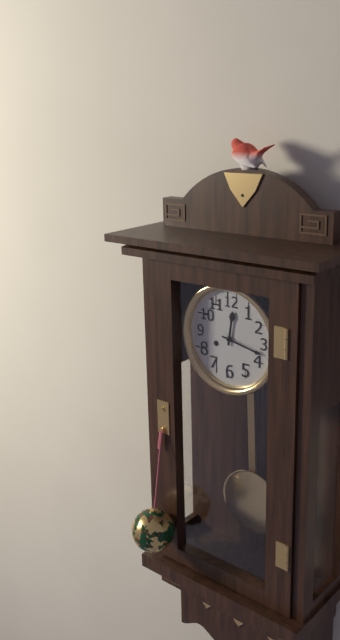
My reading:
**12:17**
